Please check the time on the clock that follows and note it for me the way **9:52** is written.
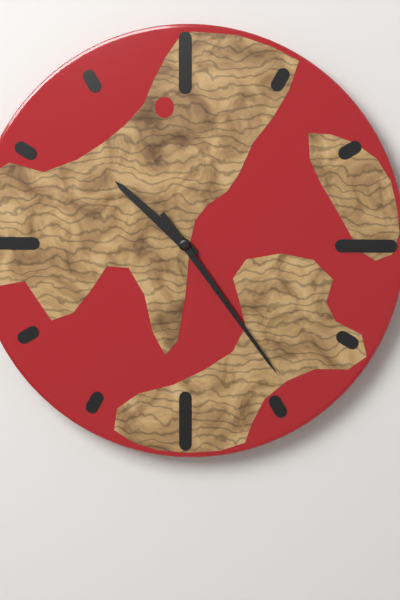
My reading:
**10:24**
